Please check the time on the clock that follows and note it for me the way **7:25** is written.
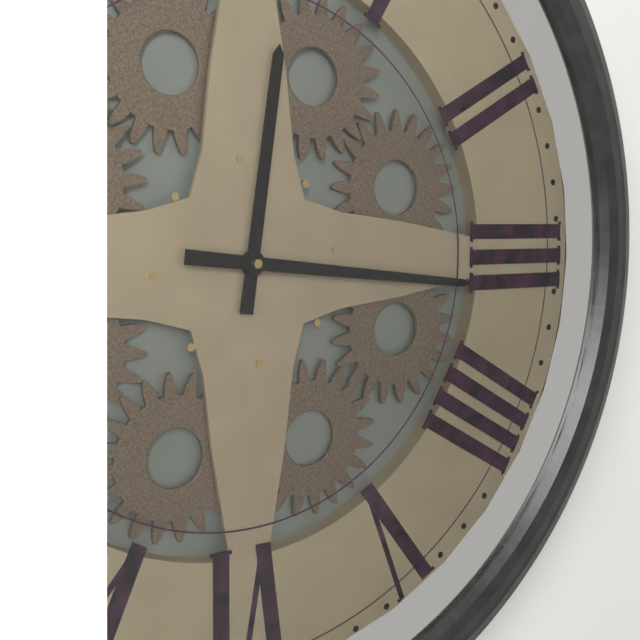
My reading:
**12:16**
